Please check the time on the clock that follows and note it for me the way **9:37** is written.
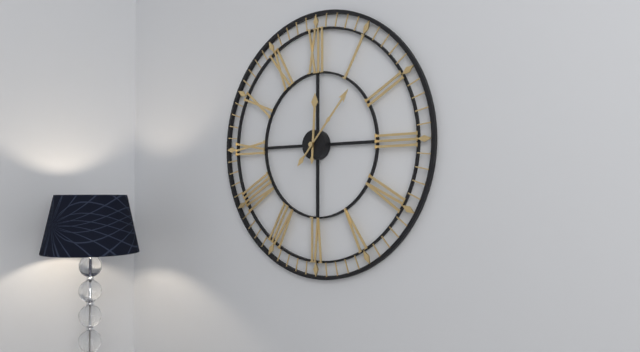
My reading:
**12:07**
